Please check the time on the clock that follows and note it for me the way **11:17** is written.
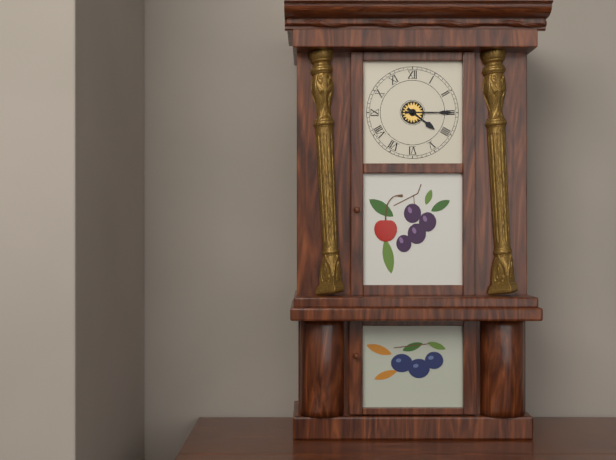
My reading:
**4:15**
